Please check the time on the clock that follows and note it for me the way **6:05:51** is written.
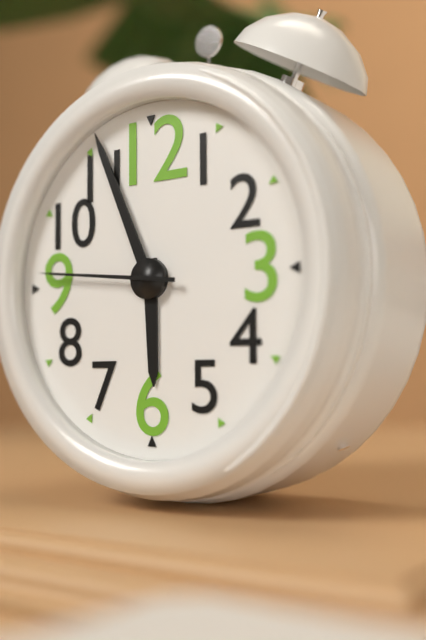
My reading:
**5:56:46**
